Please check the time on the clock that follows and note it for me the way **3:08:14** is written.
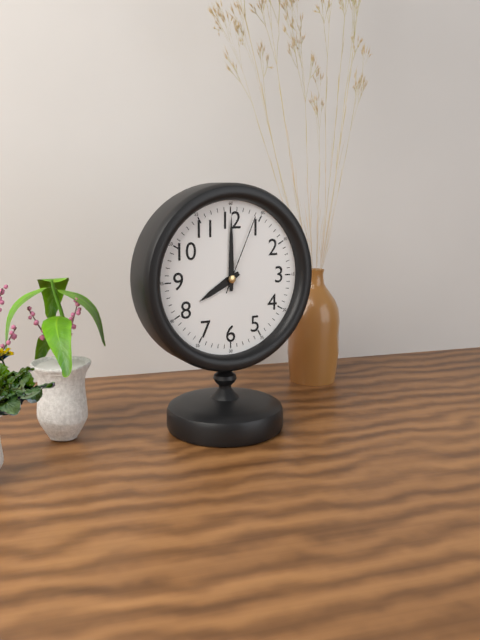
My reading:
**8:00:04**
